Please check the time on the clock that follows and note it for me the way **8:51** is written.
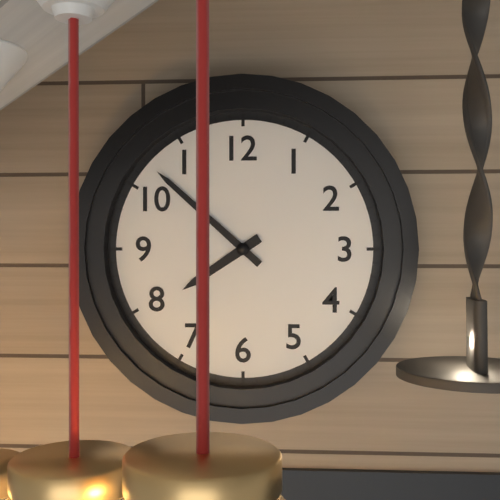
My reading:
**7:52**
